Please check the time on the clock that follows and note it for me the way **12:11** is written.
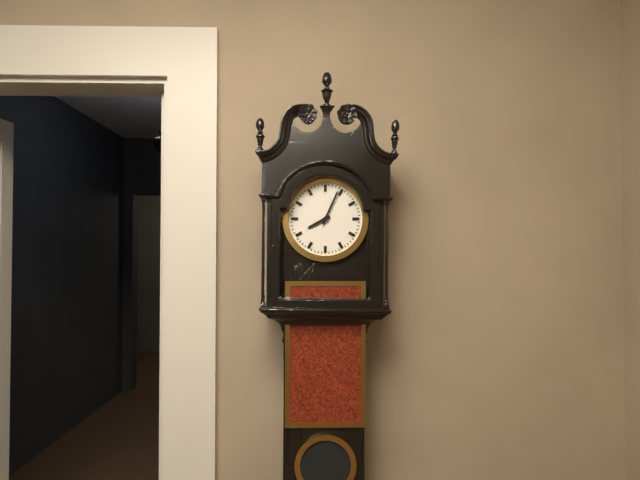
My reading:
**8:04**
